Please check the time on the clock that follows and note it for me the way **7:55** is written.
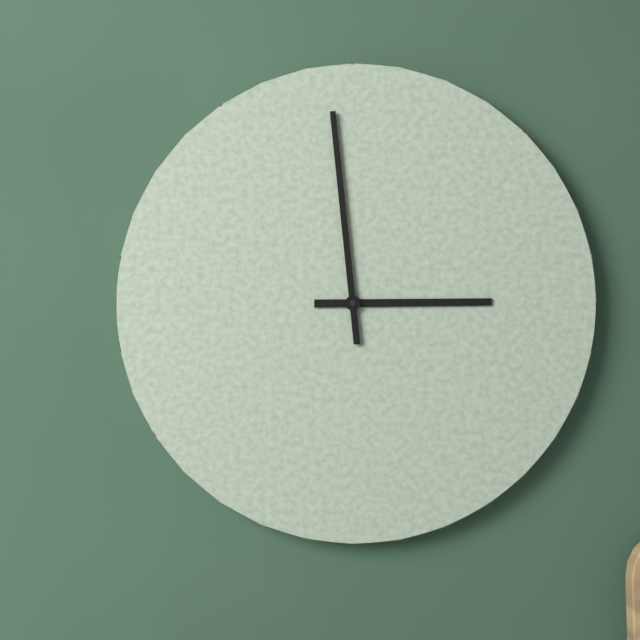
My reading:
**2:59**
